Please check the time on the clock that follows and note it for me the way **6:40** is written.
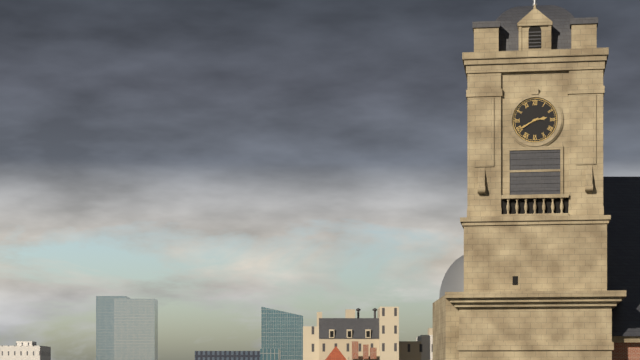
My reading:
**2:40**
